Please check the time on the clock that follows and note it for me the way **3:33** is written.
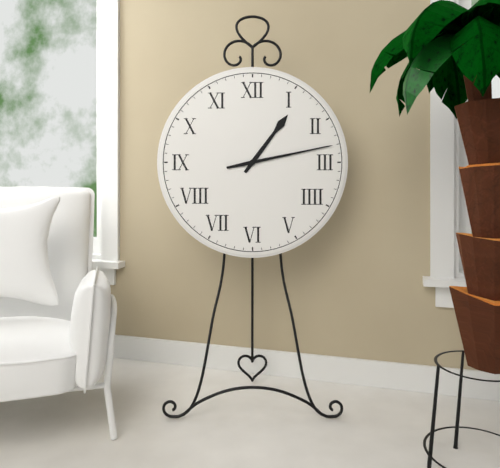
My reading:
**1:13**
